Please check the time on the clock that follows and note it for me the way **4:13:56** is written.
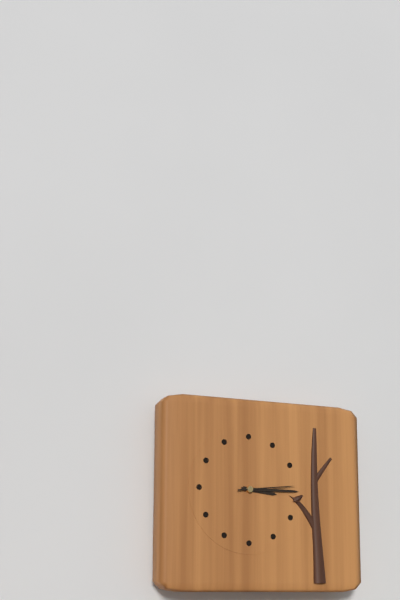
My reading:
**3:15:14**
